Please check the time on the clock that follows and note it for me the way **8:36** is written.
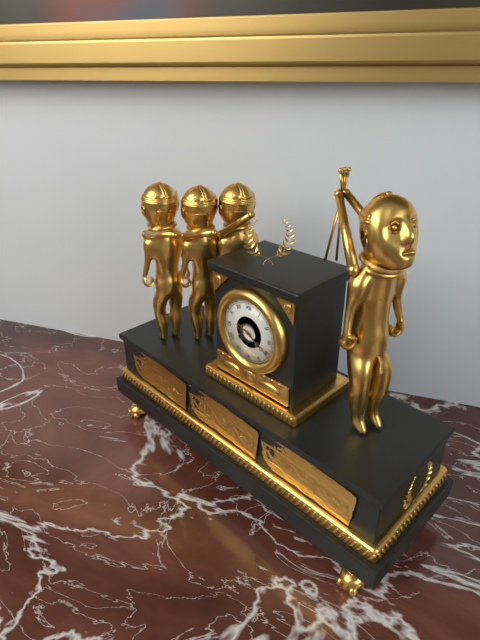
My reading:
**9:20**
